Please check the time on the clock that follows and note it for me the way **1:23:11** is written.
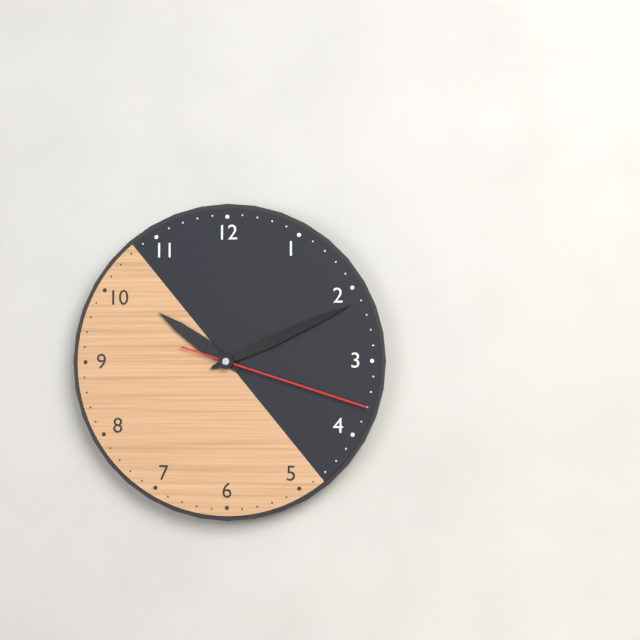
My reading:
**10:11:18**
